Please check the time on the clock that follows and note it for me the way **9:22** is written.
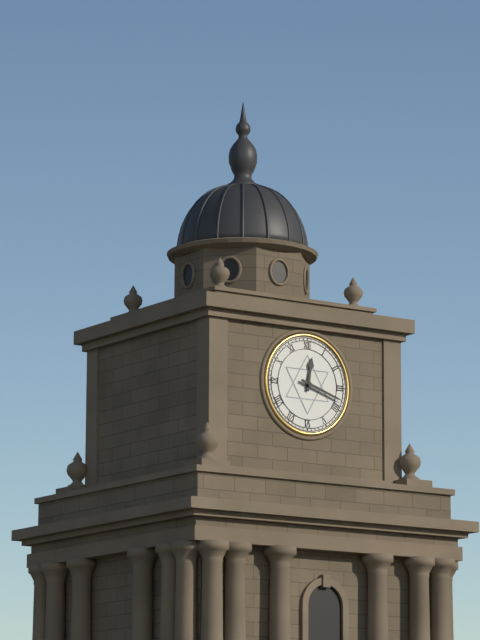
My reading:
**12:18**
